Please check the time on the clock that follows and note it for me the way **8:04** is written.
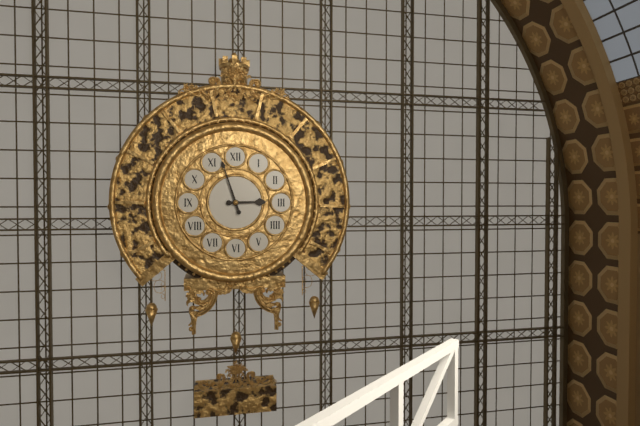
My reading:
**2:57**
